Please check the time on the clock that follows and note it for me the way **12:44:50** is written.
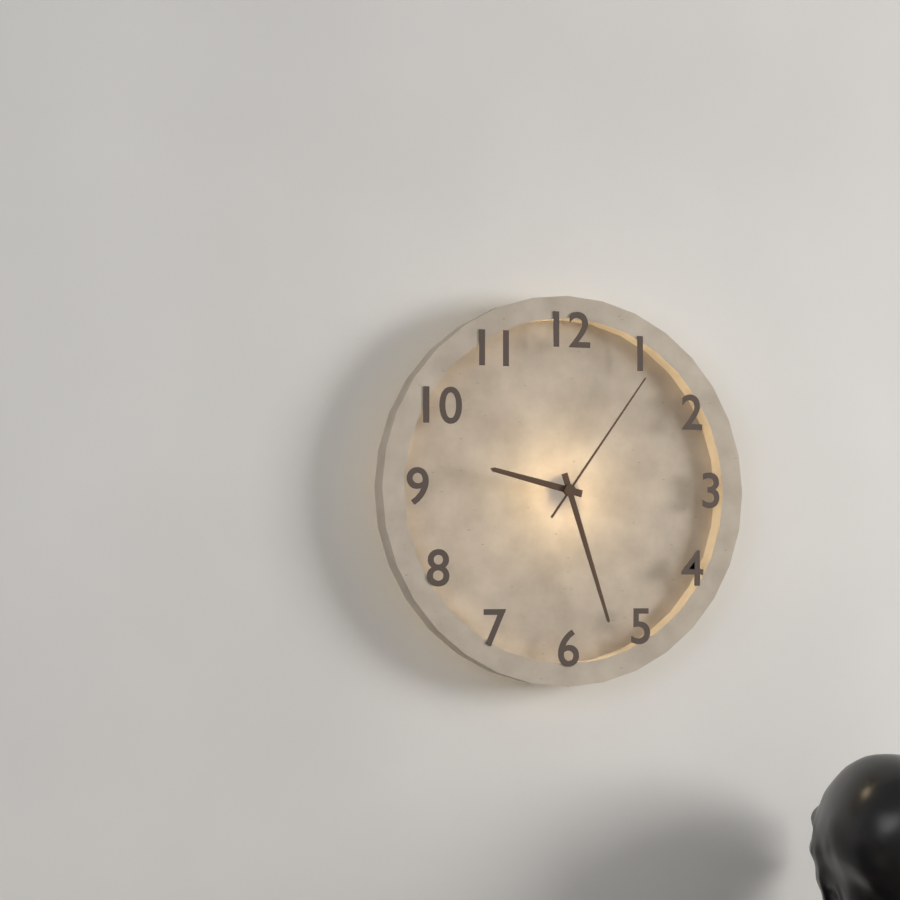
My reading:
**9:27:06**
